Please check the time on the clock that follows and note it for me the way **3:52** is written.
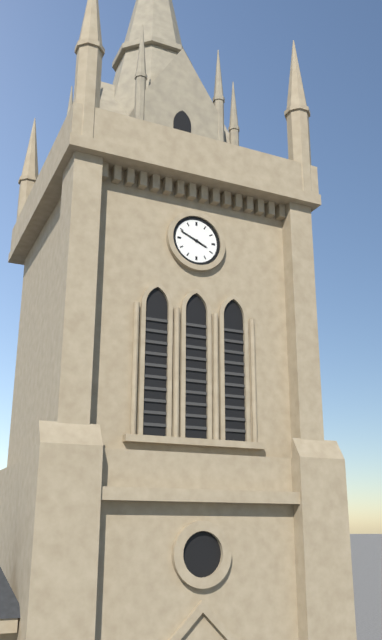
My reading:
**3:49**
